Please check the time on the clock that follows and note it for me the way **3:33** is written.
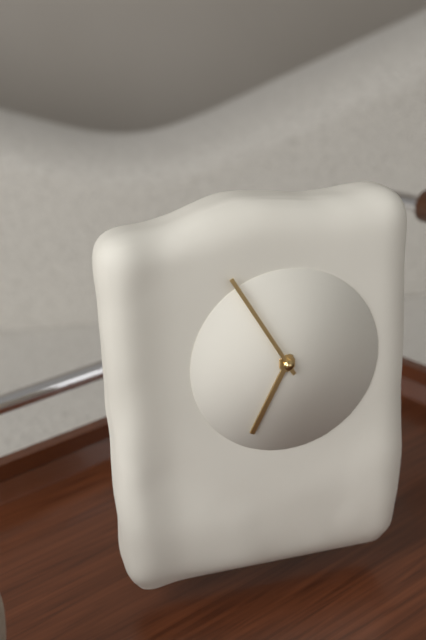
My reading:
**6:55**
